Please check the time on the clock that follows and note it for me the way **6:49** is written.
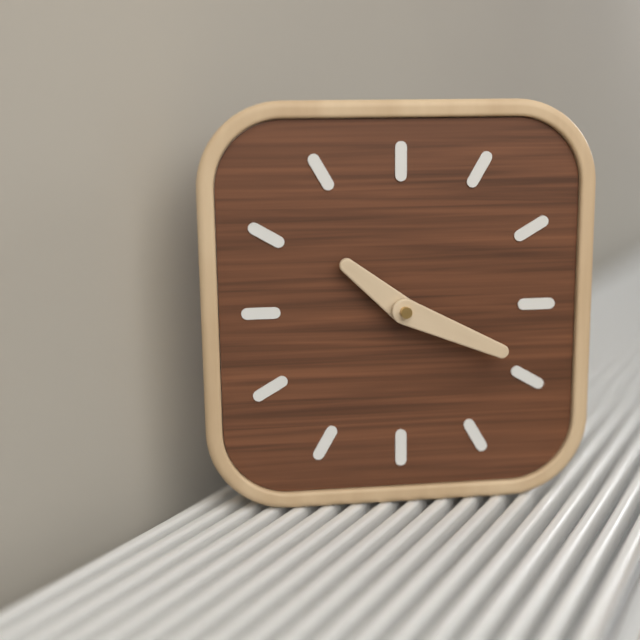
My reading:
**10:19**
